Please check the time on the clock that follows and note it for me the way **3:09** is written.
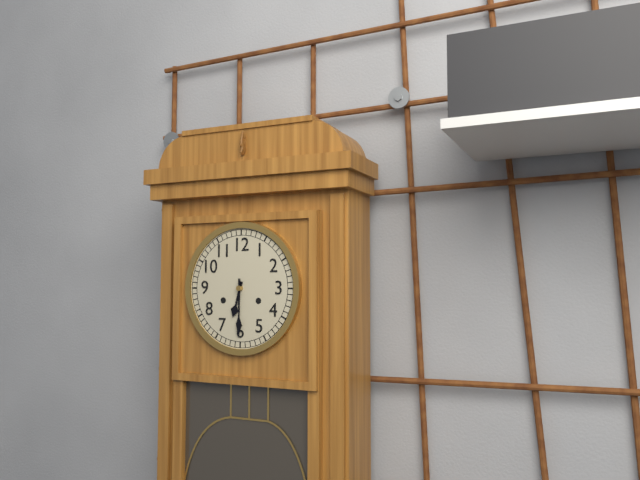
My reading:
**6:30**
